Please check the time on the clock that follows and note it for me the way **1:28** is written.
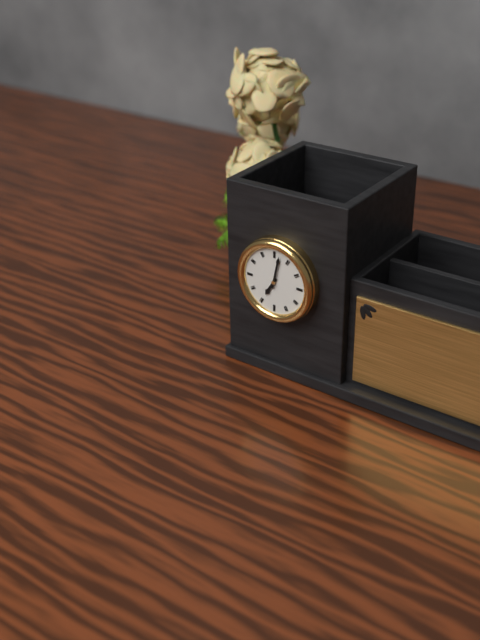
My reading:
**7:02**
